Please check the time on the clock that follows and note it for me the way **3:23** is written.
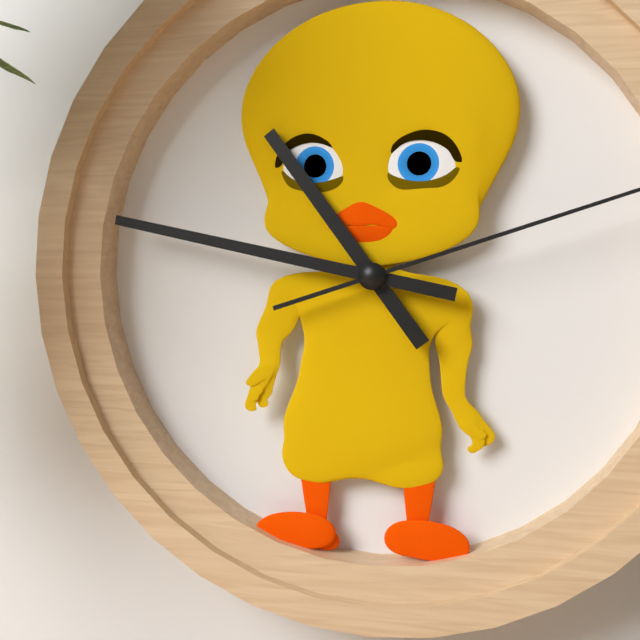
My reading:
**10:47**
